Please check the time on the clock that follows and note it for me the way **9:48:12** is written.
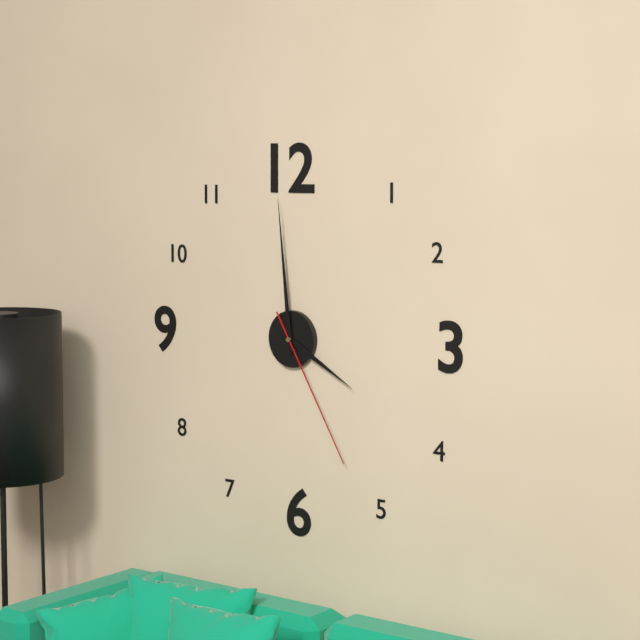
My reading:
**3:59:25**
